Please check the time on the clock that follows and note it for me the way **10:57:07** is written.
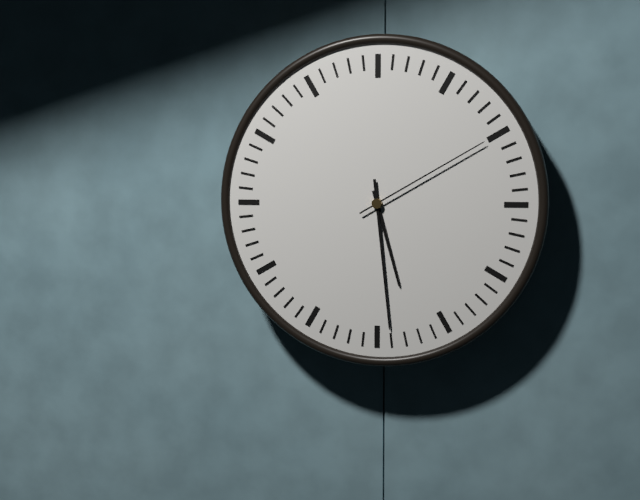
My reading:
**5:29:10**
